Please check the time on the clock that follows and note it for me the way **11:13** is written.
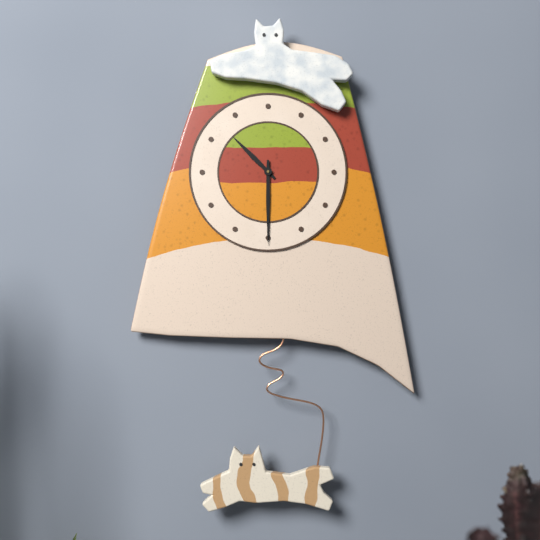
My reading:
**10:30**
